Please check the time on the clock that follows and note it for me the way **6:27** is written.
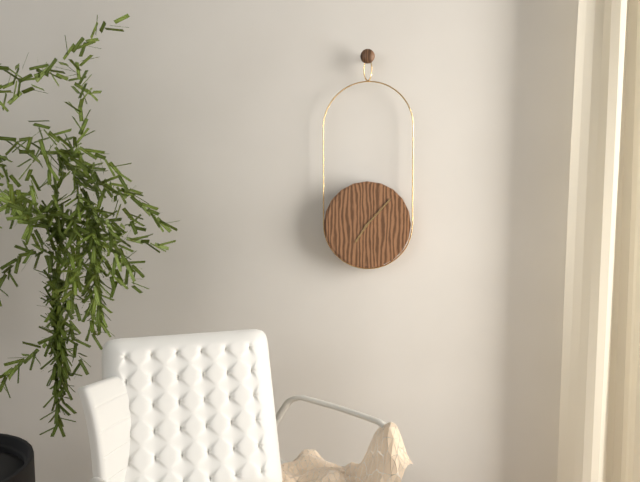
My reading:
**7:07**
